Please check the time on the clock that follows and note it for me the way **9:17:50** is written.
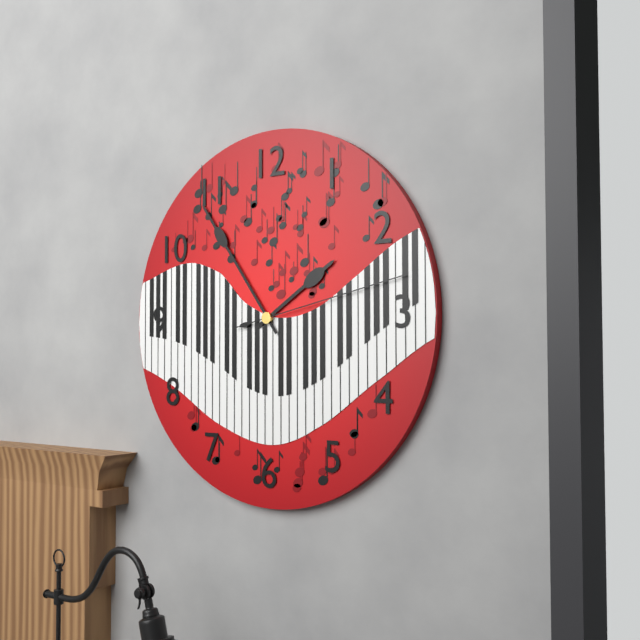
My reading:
**1:54:13**
